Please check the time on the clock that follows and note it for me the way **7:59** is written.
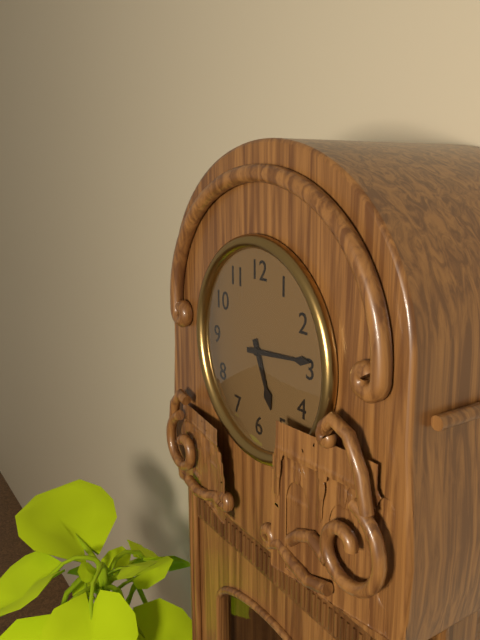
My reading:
**5:14**
